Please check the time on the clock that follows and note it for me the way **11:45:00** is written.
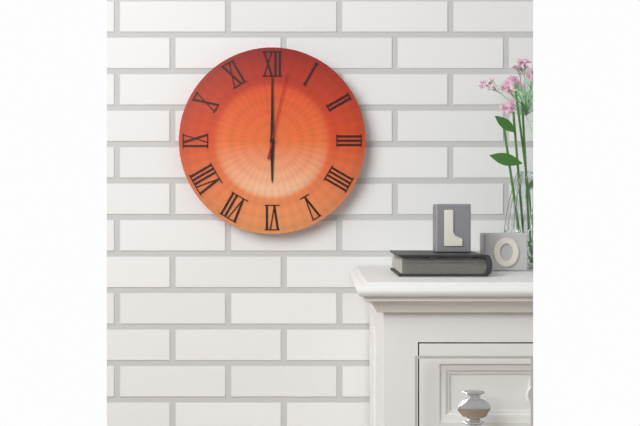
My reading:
**6:00:02**
